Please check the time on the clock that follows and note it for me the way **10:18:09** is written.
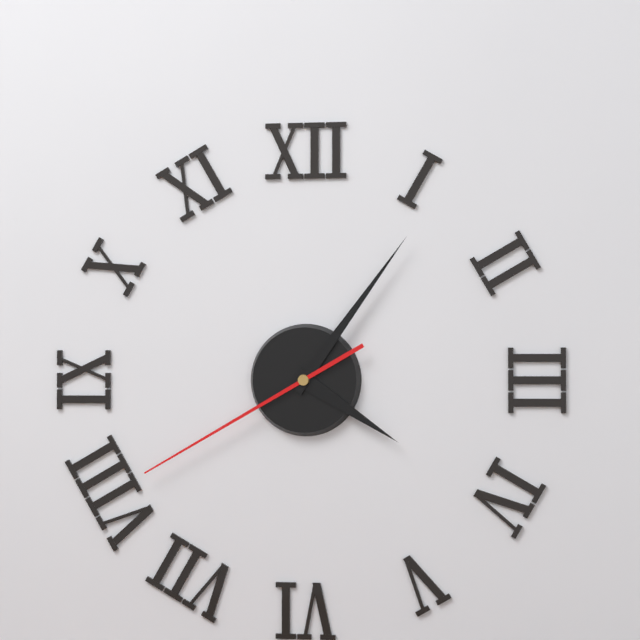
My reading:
**4:06:40**
